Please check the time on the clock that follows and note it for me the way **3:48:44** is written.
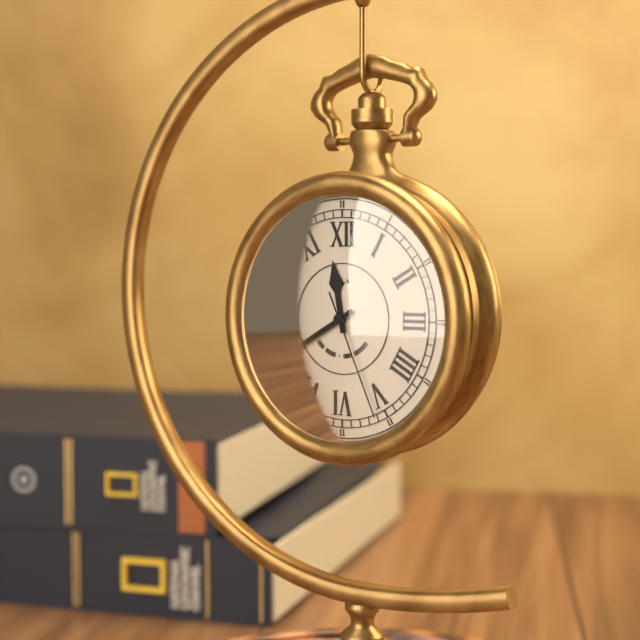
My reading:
**11:40:26**
